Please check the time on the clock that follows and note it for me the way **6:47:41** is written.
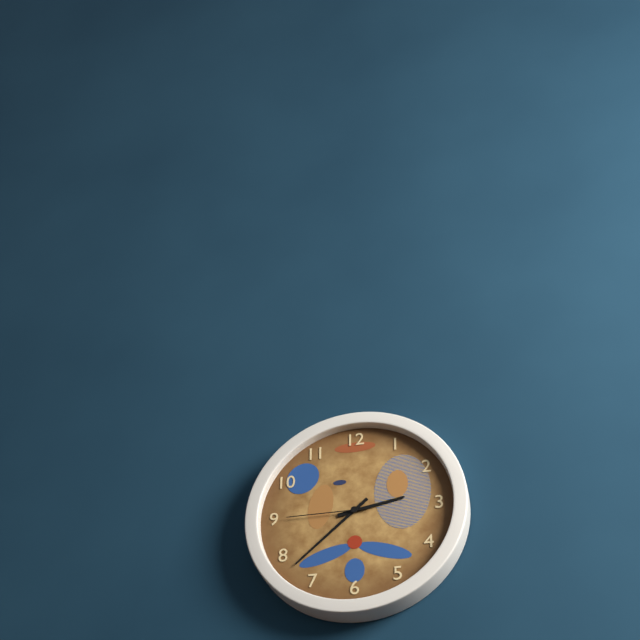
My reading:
**2:38:45**
